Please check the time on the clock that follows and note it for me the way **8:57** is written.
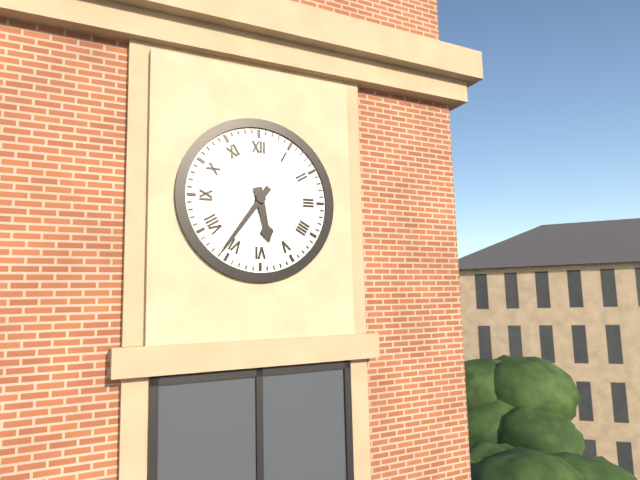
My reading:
**5:36**
